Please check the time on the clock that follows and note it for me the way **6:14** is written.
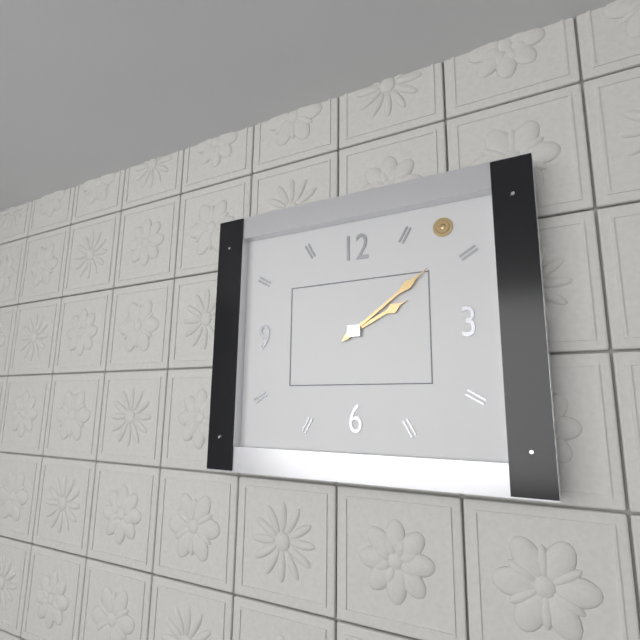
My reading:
**2:09**
